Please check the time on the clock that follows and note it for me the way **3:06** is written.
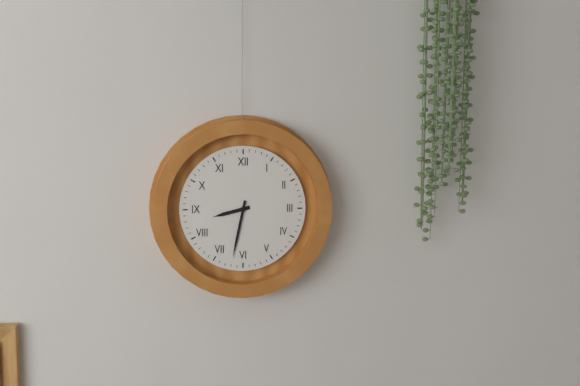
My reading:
**8:32**
